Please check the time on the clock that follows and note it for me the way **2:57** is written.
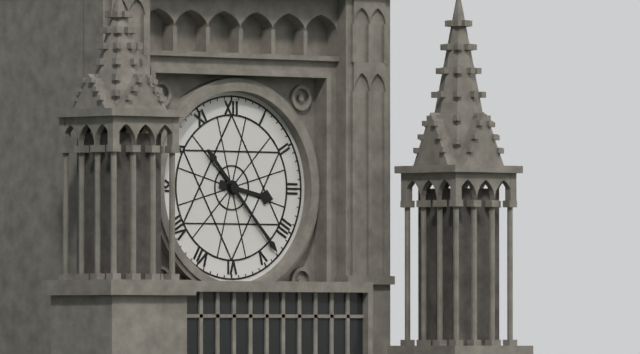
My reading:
**3:23**
